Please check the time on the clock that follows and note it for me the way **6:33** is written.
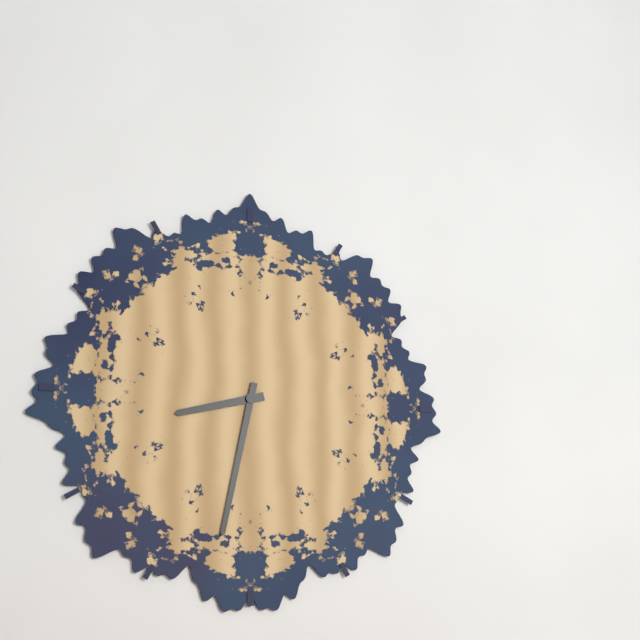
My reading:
**8:32**
